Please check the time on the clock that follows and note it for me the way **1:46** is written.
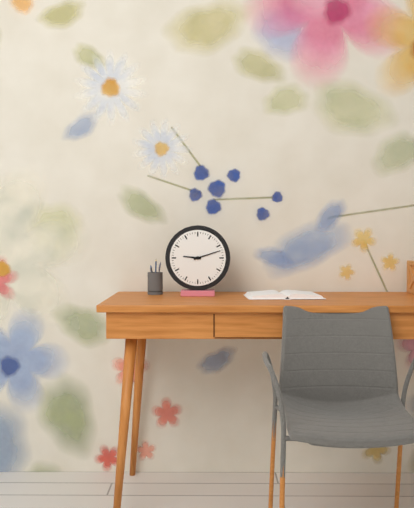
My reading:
**9:12**
